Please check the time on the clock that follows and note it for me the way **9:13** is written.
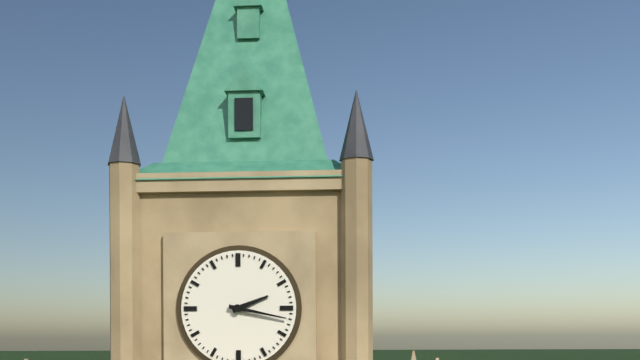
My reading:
**2:17**
